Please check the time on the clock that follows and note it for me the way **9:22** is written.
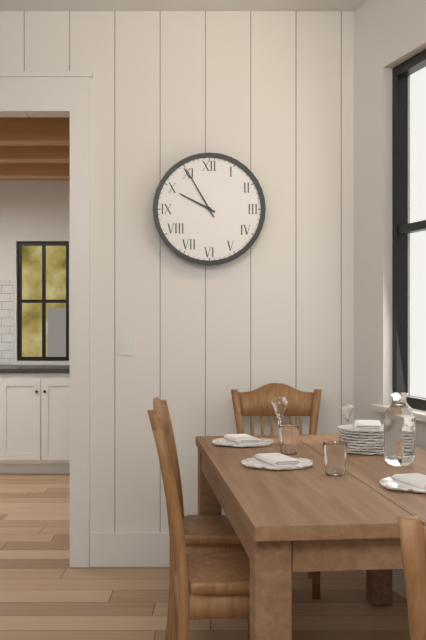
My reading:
**9:55**
